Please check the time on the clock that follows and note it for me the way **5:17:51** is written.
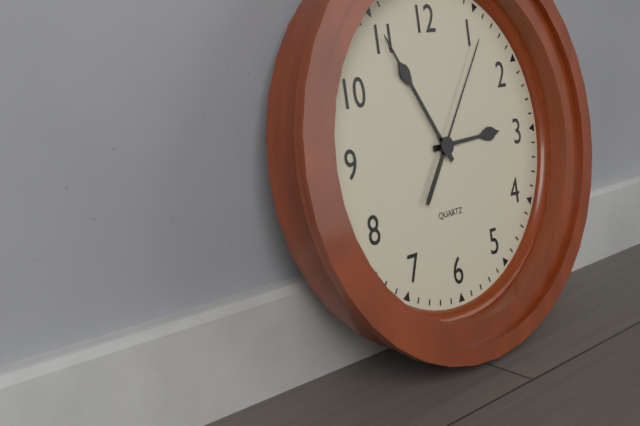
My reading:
**2:55:06**
